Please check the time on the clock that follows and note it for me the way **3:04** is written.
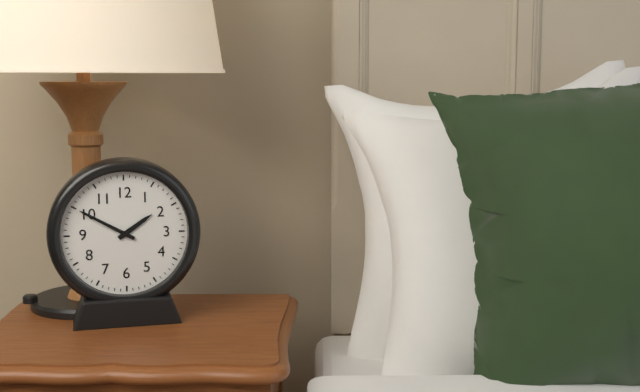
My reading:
**1:50**
